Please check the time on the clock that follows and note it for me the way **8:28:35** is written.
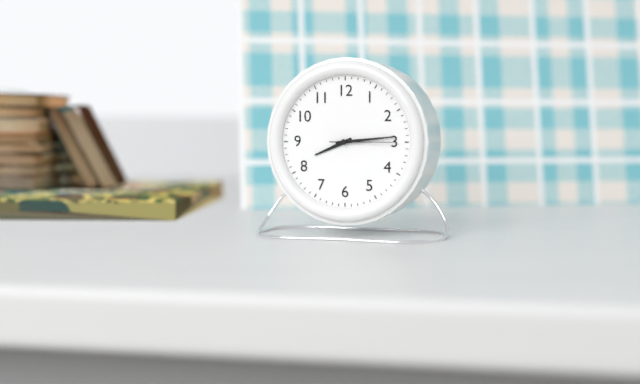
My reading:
**8:14:15**
